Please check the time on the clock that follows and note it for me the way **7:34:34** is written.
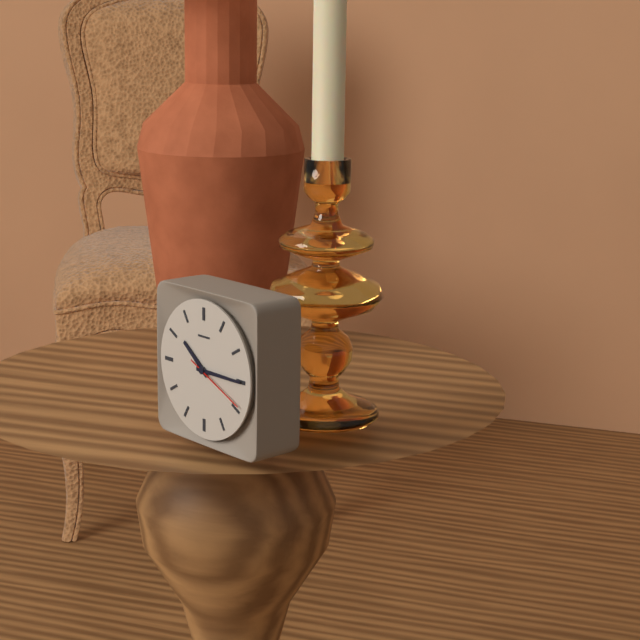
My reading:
**10:15:19**
